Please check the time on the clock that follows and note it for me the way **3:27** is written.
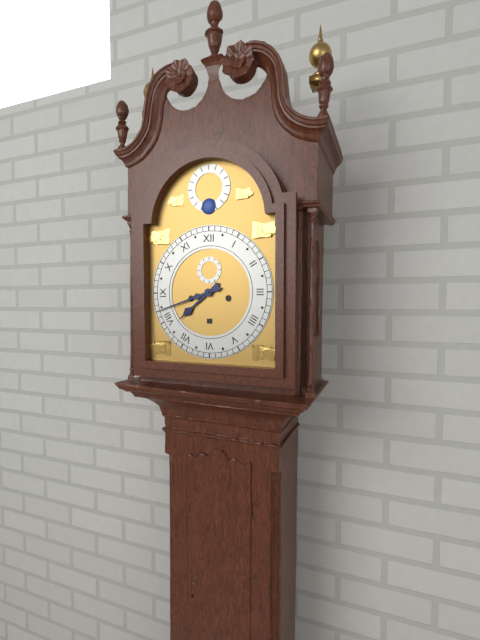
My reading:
**7:42**
